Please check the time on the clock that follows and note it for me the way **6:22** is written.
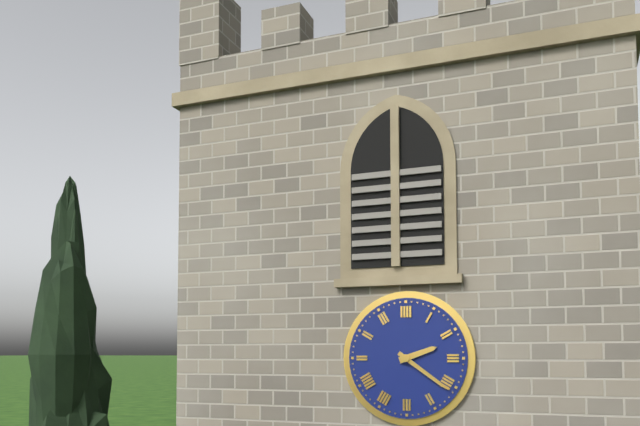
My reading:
**2:21**
